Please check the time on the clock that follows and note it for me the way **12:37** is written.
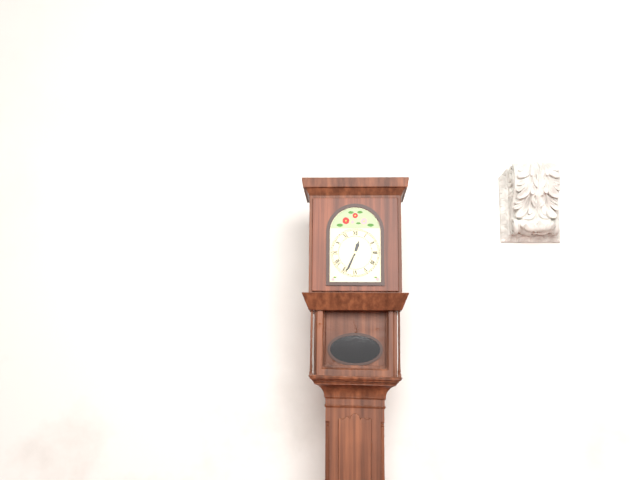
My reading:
**12:34**
